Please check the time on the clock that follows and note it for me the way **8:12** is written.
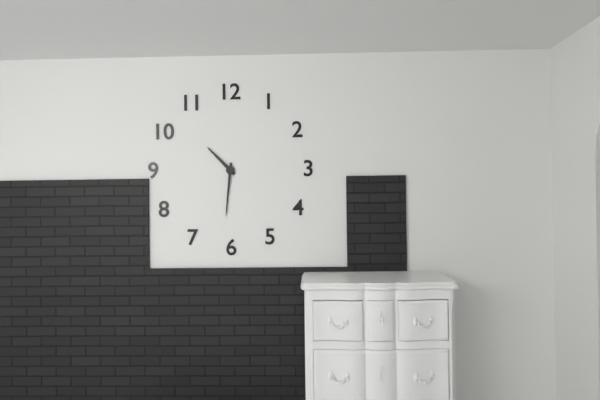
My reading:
**10:31**
